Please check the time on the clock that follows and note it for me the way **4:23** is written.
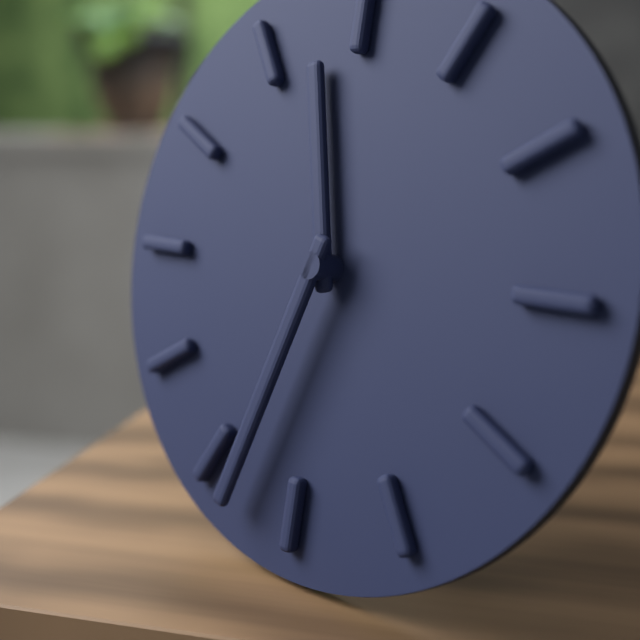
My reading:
**11:33**
